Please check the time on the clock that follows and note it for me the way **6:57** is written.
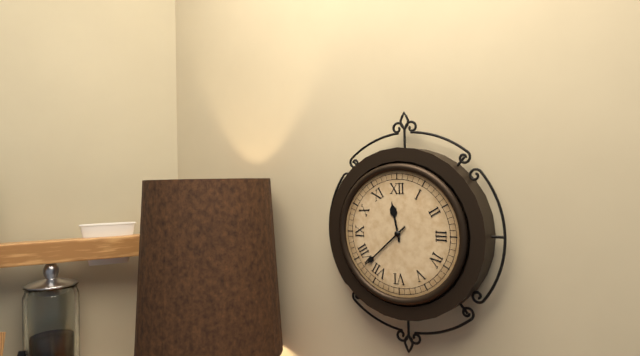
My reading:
**11:38**
